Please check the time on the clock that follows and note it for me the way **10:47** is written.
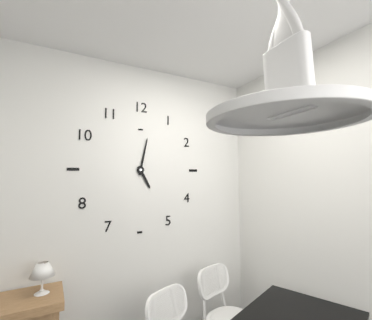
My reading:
**5:02**
